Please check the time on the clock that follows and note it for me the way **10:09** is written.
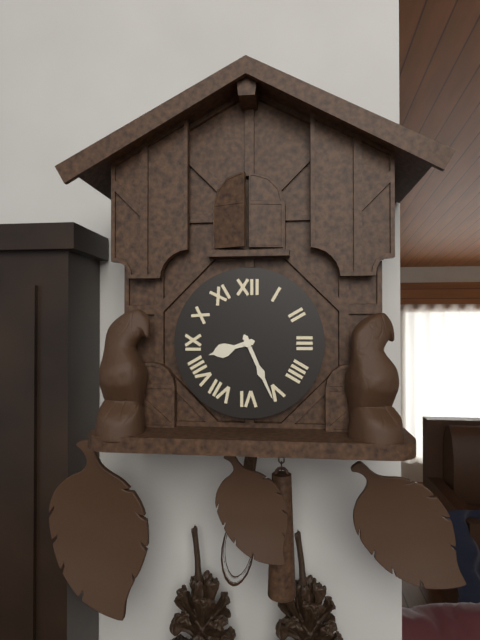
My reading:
**8:26**
